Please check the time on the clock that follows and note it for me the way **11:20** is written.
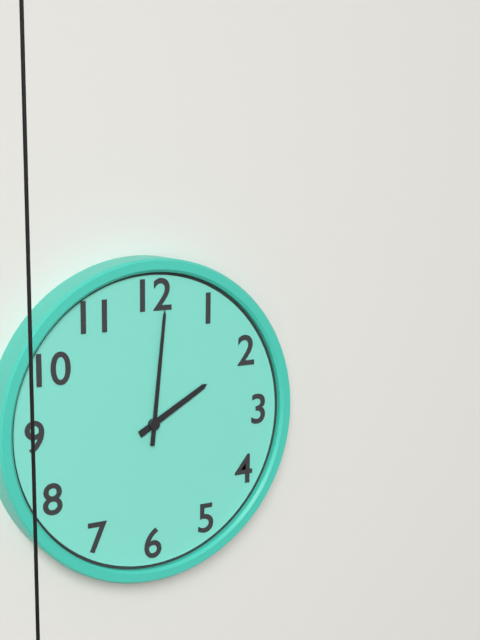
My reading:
**2:01**
